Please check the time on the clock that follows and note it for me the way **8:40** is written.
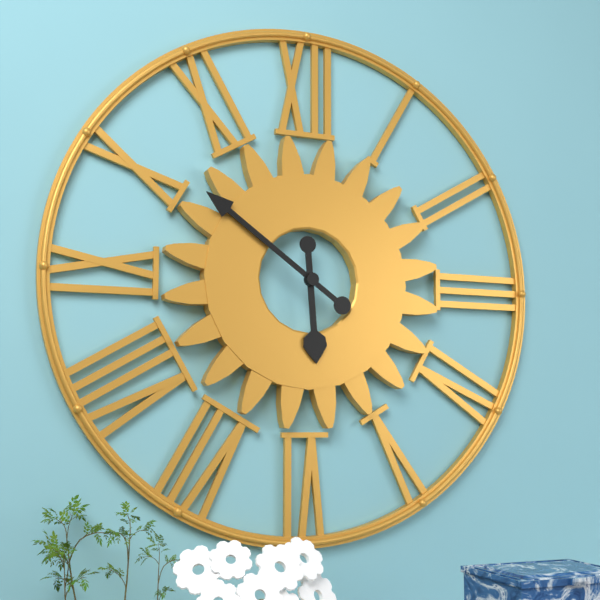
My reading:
**5:51**
